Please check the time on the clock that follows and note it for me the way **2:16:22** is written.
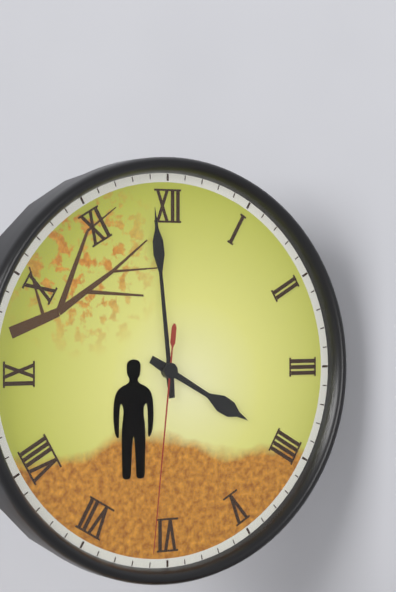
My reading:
**3:59:31**
